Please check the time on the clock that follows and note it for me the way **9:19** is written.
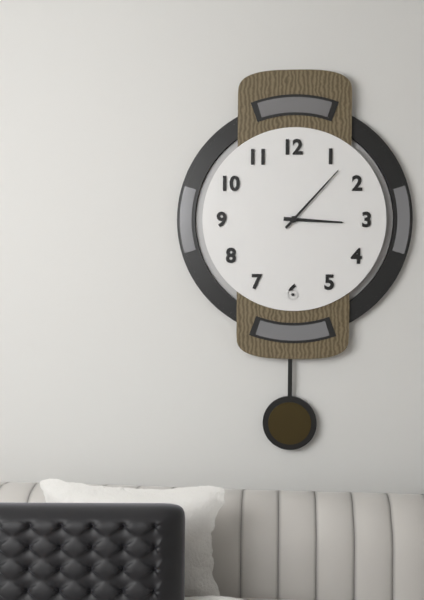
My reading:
**3:07**
